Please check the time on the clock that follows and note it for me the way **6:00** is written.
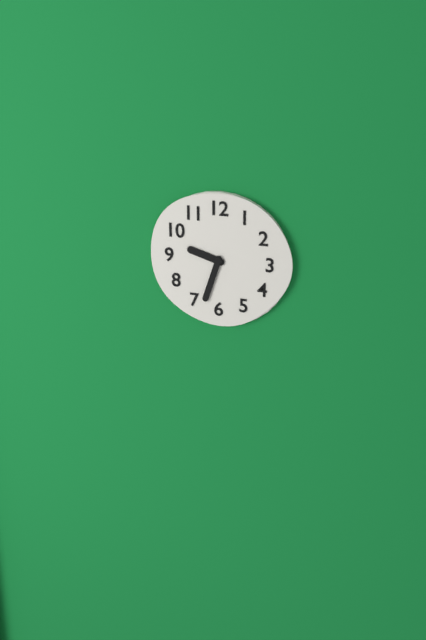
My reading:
**9:33**
